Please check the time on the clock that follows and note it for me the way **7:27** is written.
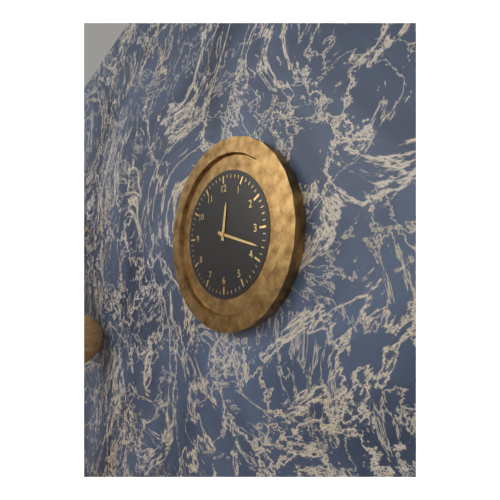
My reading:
**12:18**
